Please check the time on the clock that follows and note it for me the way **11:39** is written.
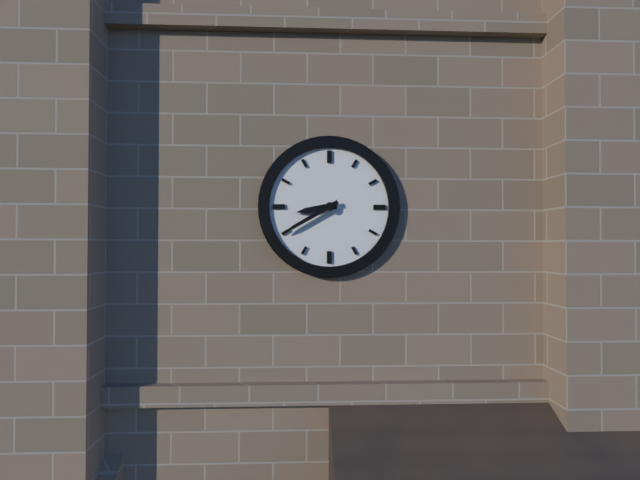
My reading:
**8:40**
